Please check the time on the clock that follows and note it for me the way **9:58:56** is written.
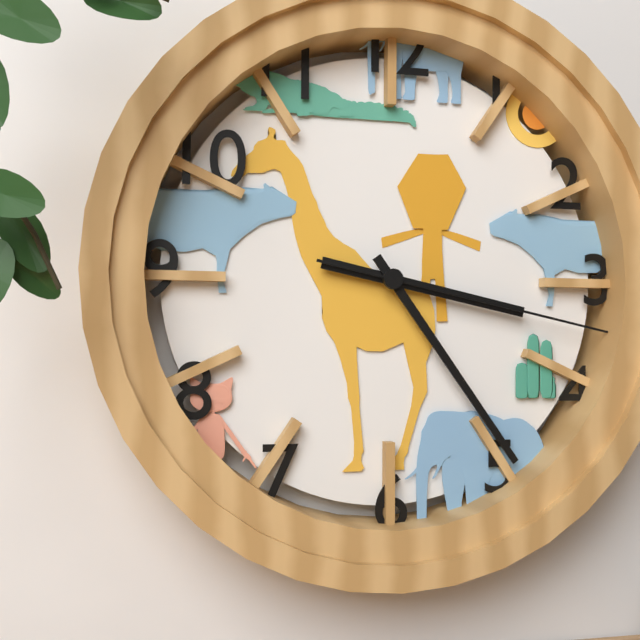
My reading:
**3:24:17**
